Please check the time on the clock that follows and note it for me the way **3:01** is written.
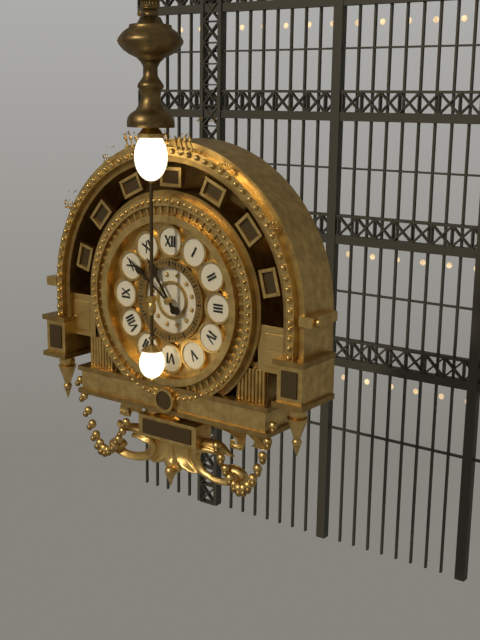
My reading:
**10:51**
